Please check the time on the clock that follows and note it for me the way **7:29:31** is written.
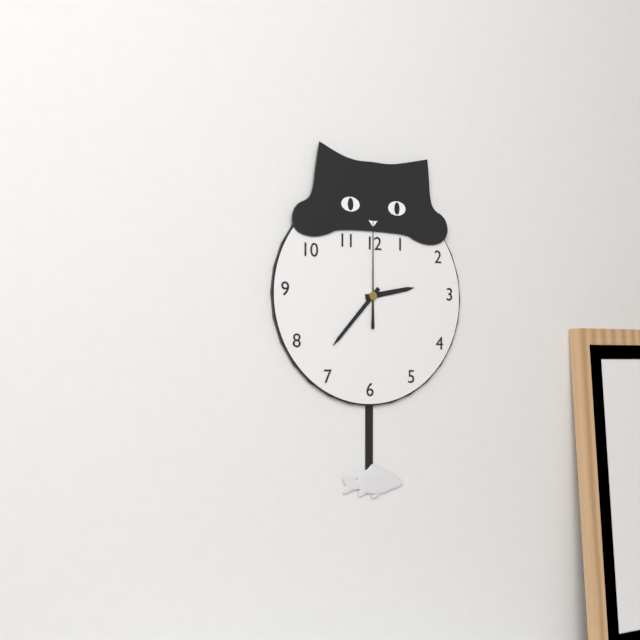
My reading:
**2:37:00**
